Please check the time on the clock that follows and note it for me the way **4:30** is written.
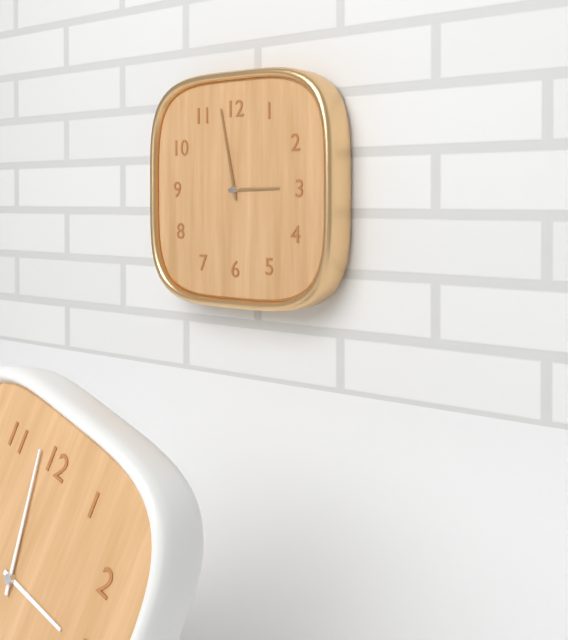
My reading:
**2:58**
